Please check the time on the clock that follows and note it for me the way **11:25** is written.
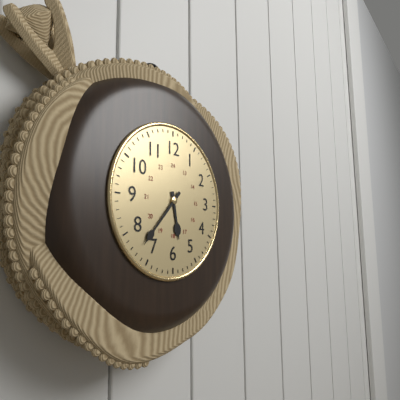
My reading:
**5:37**
